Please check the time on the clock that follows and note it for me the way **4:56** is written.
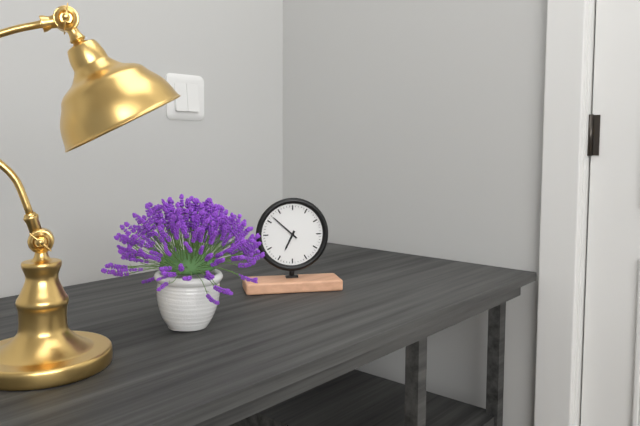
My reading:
**6:52**
